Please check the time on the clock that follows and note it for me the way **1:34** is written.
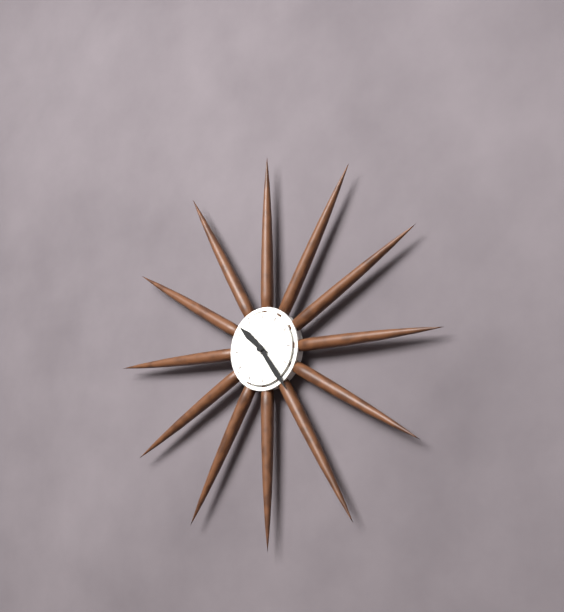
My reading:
**10:24**
